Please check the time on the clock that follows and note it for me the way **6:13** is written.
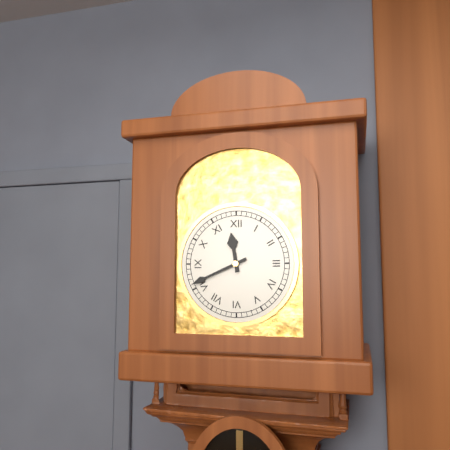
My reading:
**11:41**
